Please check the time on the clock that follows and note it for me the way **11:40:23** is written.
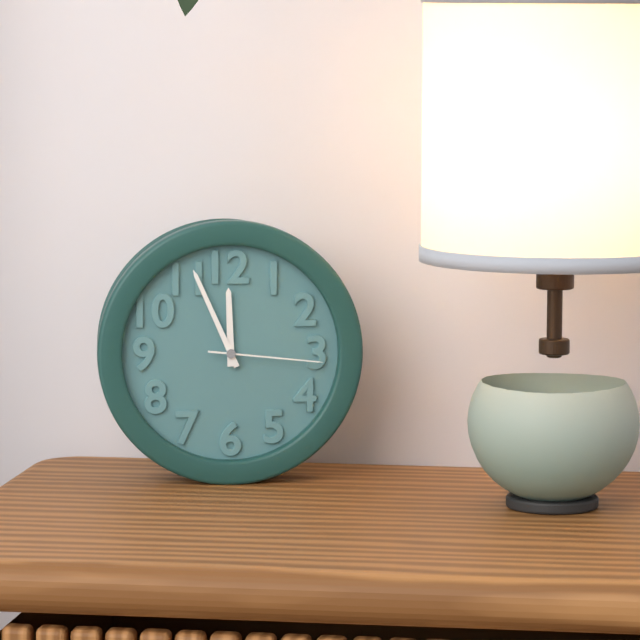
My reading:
**11:56:16**
